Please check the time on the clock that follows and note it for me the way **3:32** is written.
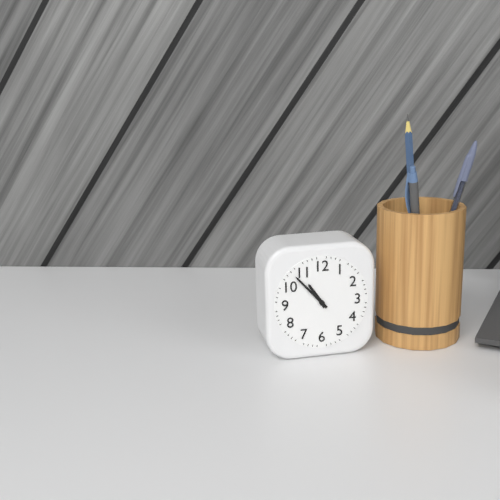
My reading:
**10:53**
